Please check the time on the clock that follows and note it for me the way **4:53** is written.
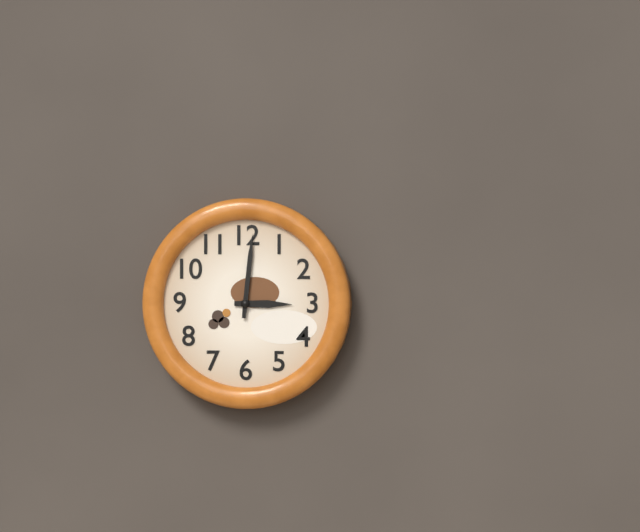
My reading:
**3:01**
